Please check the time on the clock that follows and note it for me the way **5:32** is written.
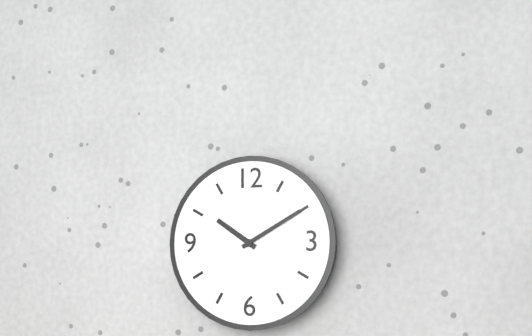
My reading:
**10:10**
